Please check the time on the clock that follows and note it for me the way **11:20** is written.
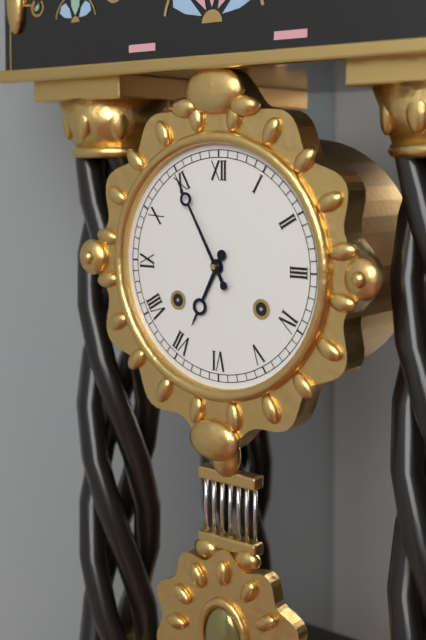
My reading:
**6:55**
